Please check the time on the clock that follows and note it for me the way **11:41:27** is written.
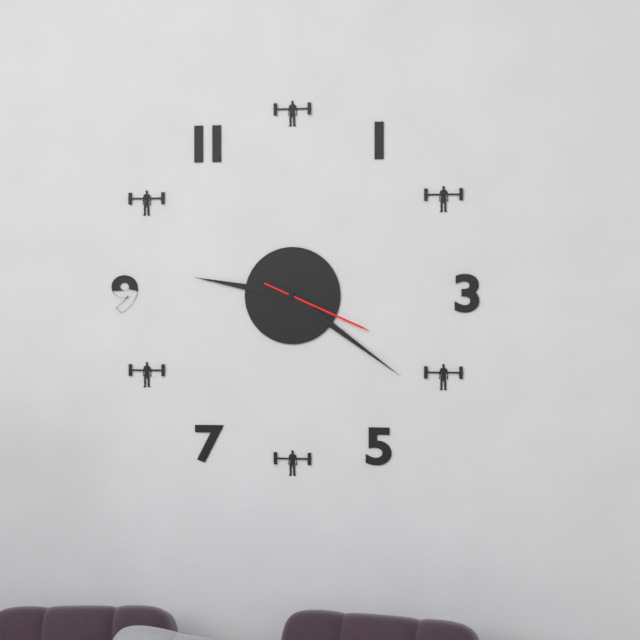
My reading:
**9:21:19**
